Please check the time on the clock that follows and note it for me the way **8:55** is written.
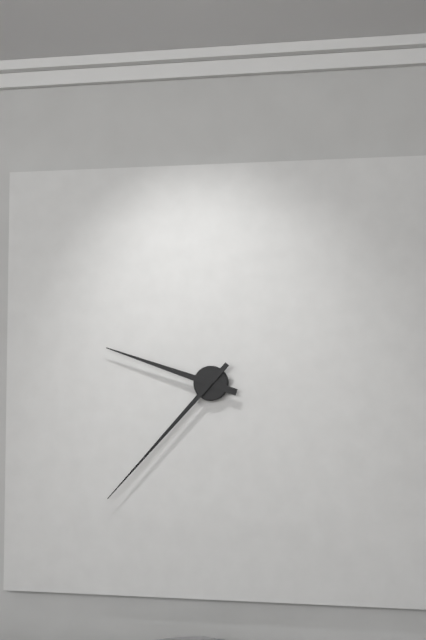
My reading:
**9:37**
